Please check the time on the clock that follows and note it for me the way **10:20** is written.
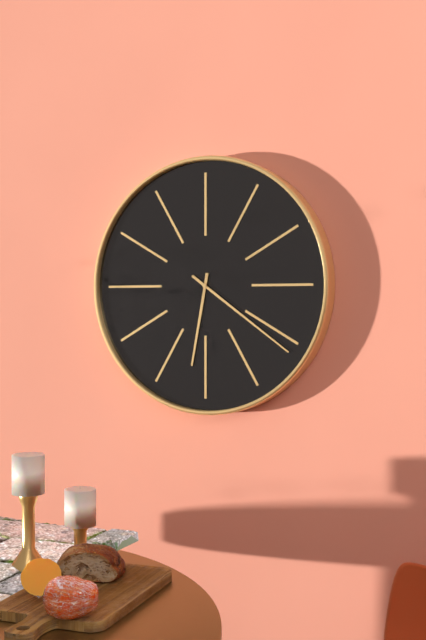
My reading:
**6:21**
